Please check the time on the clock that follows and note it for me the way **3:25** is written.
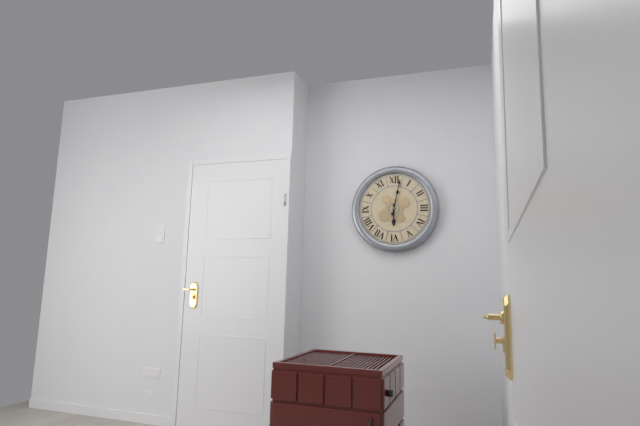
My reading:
**6:02**
